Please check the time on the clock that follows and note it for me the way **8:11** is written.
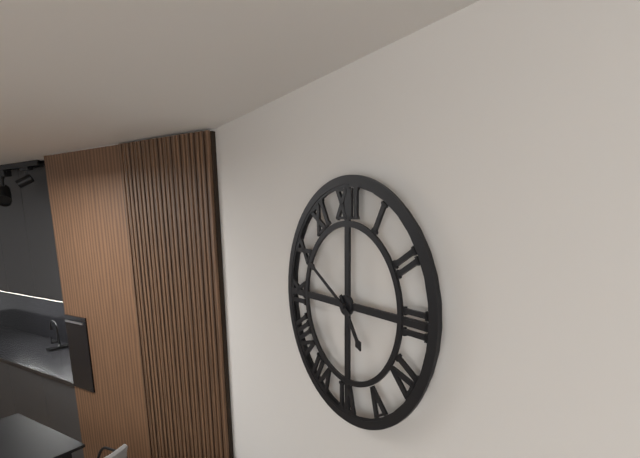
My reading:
**4:50**
